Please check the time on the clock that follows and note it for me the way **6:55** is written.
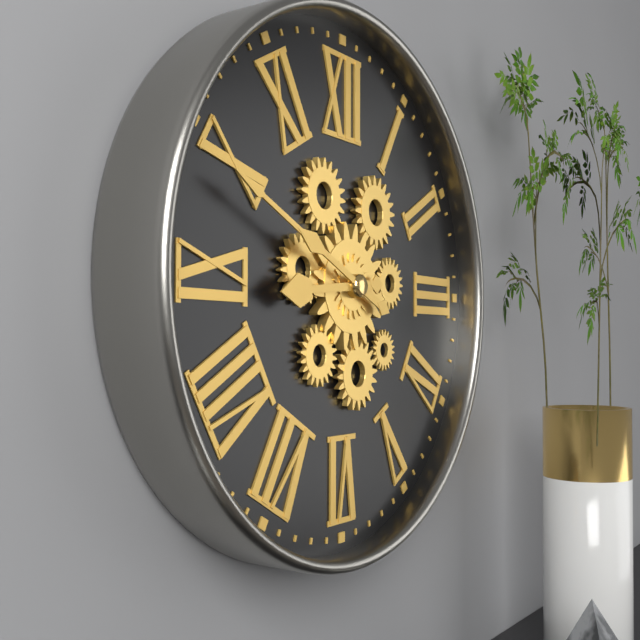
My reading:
**8:49**
